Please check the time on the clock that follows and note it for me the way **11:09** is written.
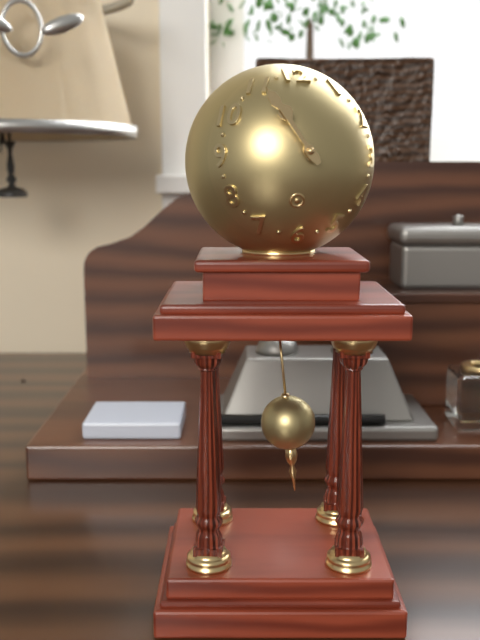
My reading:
**10:54**
